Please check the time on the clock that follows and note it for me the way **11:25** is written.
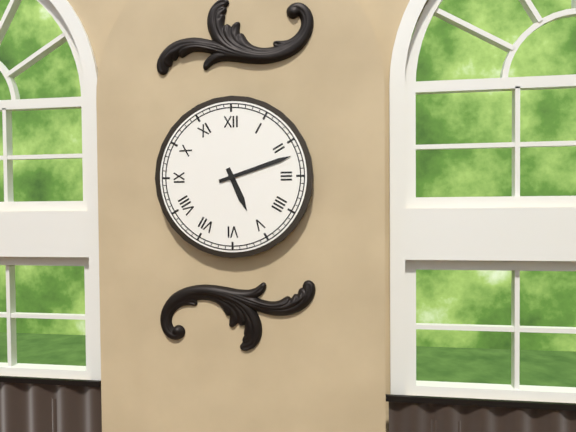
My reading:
**5:12**
